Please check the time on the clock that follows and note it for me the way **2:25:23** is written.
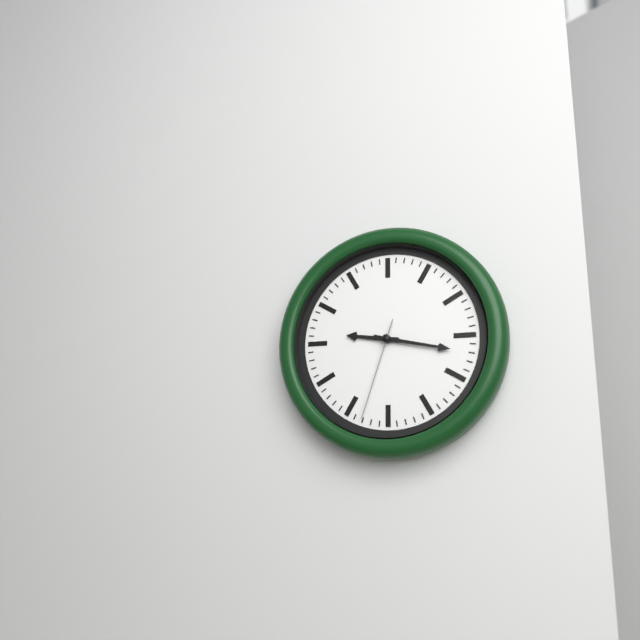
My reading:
**9:17:33**
